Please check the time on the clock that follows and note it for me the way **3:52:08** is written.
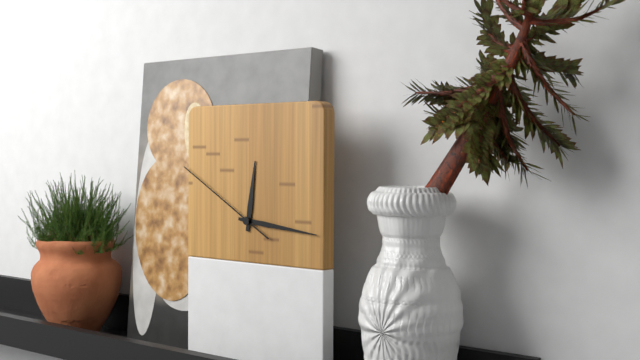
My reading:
**12:16:50**
